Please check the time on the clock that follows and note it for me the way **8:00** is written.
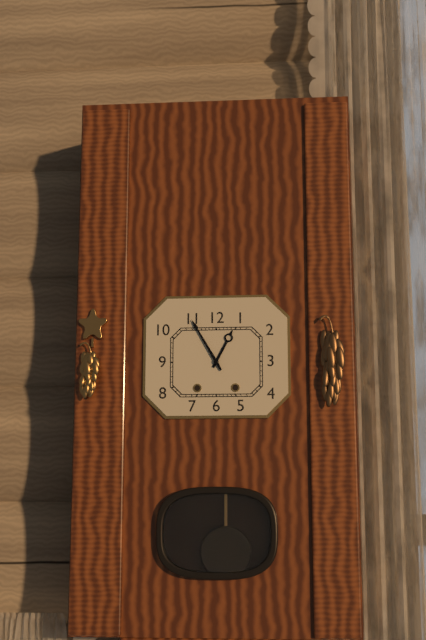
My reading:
**12:55**
